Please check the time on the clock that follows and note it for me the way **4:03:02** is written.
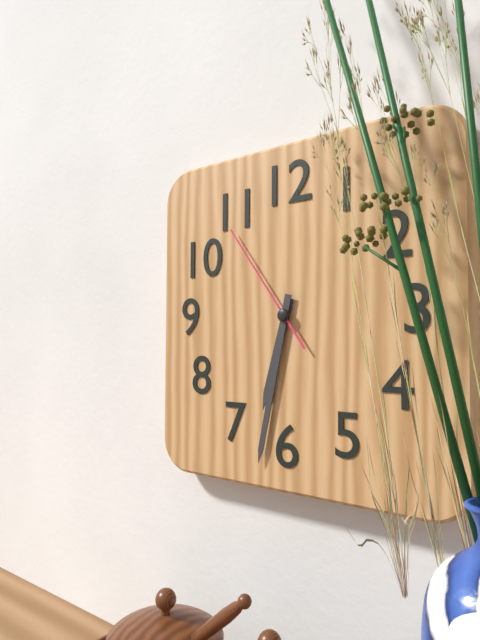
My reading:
**6:32:54**
